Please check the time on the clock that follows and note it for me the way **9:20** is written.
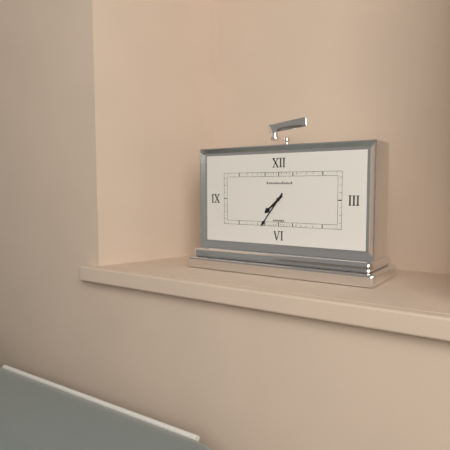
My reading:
**7:36**
